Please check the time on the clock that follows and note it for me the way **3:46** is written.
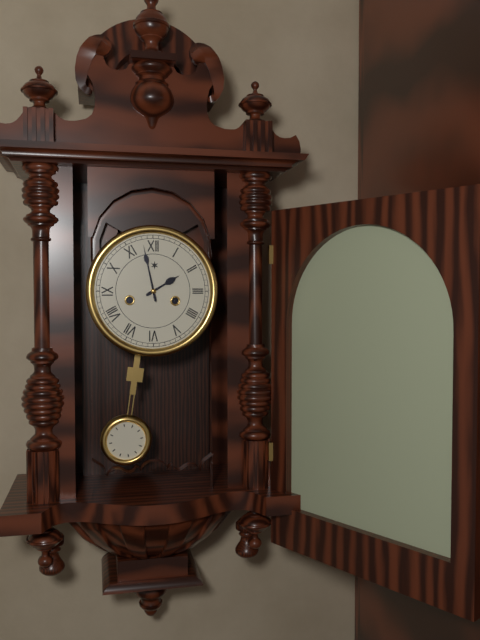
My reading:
**1:58**
